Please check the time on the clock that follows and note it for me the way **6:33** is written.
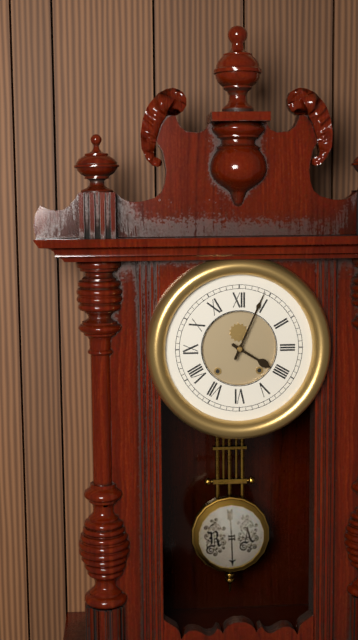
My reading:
**4:04**
